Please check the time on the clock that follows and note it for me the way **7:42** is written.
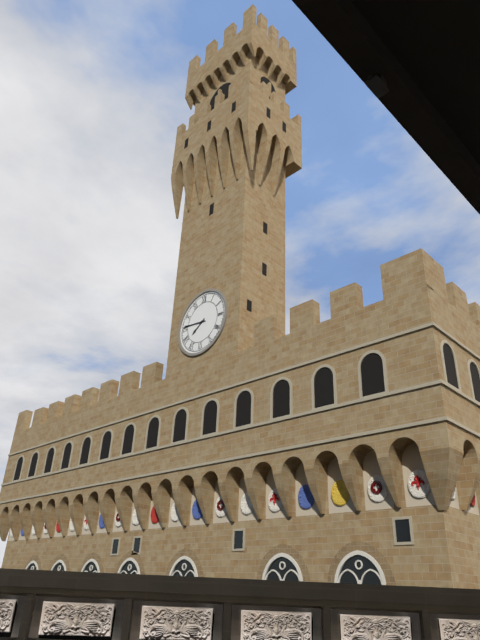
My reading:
**7:46**
